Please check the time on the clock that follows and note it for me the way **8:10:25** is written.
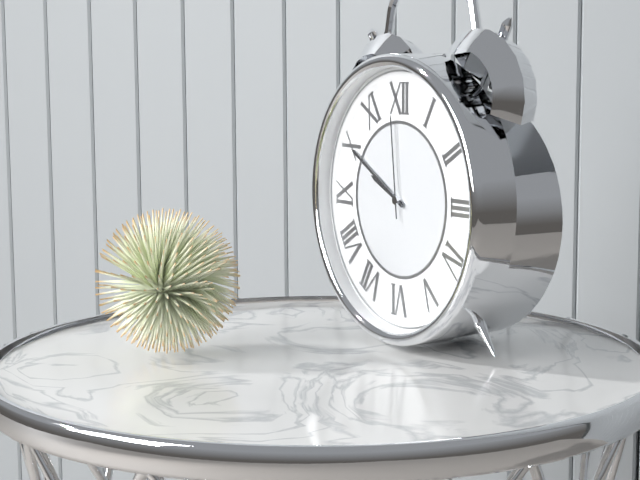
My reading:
**9:50:59**
